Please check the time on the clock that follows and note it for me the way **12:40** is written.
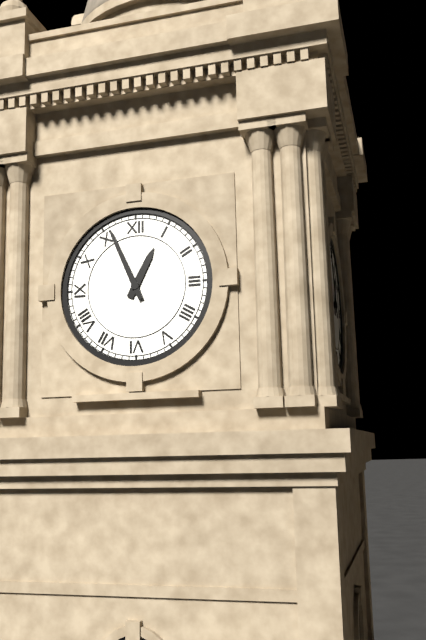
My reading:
**12:56**
